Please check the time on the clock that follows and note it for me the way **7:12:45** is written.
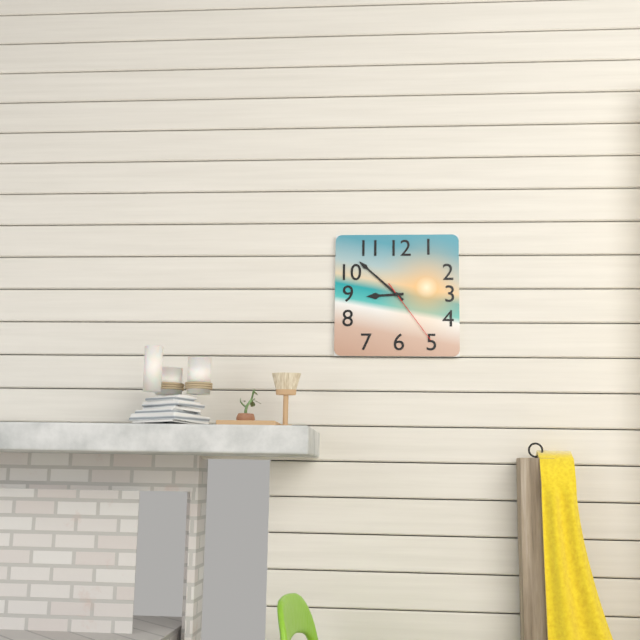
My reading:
**8:52:24**
